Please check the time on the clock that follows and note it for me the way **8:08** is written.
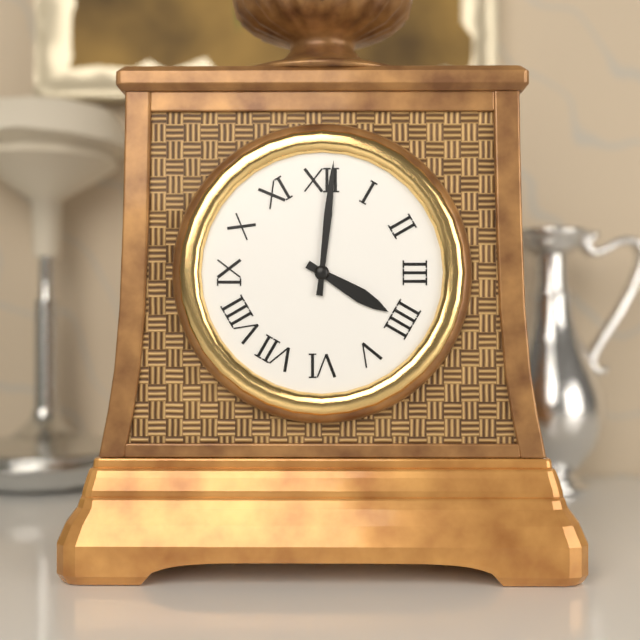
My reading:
**4:01**
